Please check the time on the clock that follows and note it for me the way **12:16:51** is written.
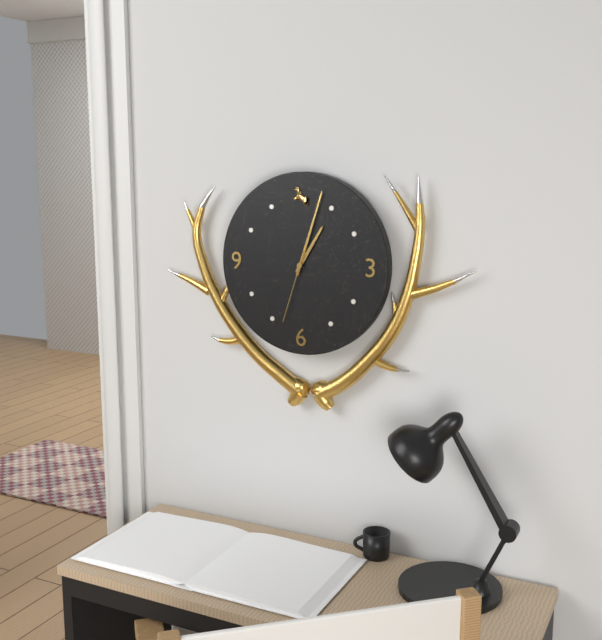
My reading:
**1:03:33**
